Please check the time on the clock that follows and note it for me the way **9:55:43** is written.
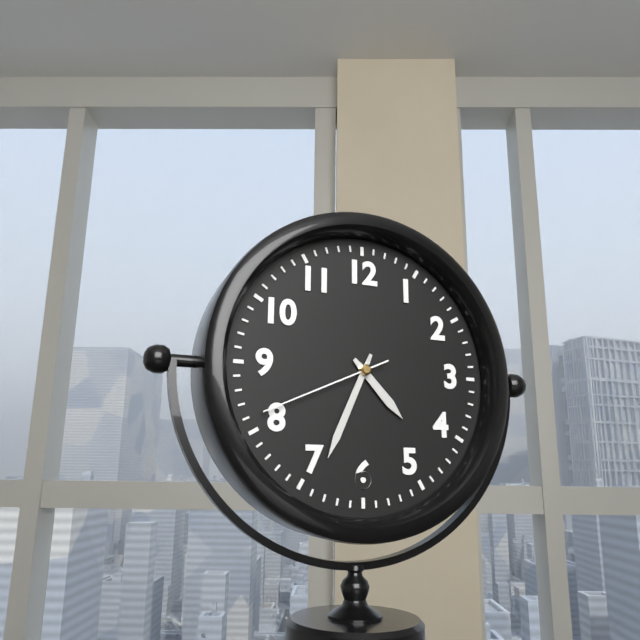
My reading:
**4:34:41**
